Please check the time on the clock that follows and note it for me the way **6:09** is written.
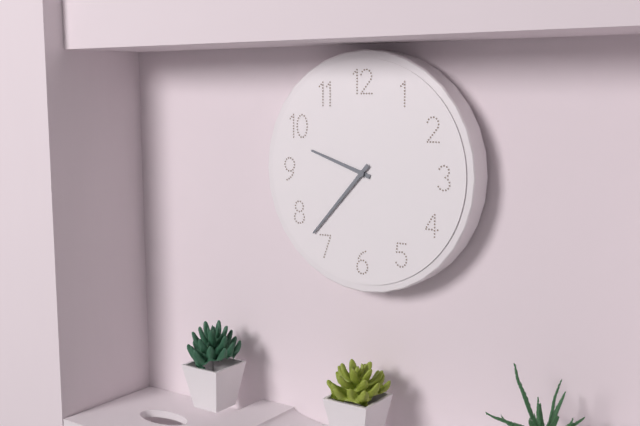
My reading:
**9:37**
